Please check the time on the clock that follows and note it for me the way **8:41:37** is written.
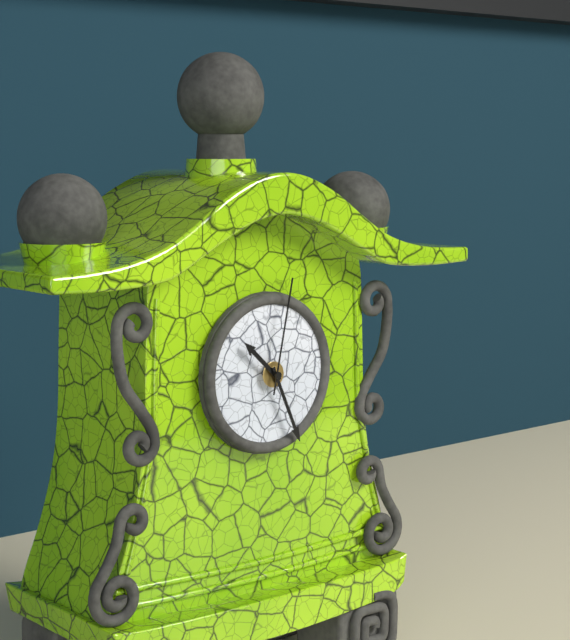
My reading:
**10:26:02**
